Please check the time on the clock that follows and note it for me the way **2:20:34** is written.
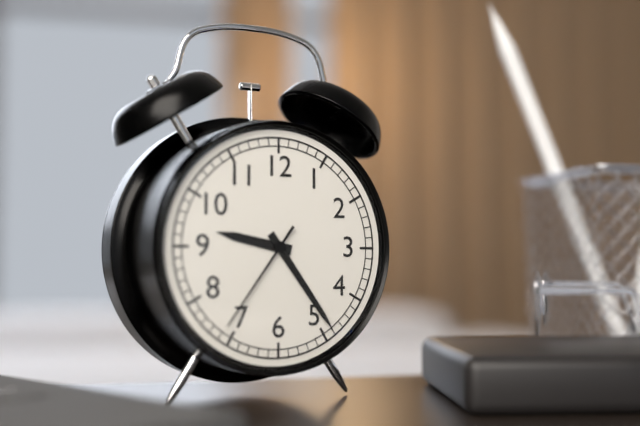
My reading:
**9:24:36**
